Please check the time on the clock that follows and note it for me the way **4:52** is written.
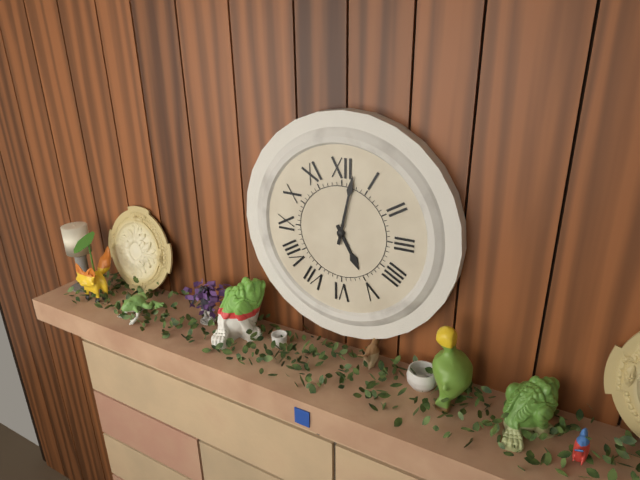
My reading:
**5:02**
